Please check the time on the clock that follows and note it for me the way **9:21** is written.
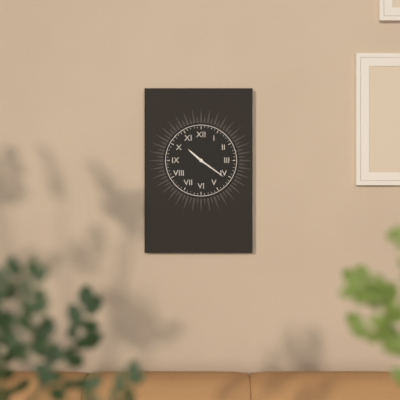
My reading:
**10:21**
